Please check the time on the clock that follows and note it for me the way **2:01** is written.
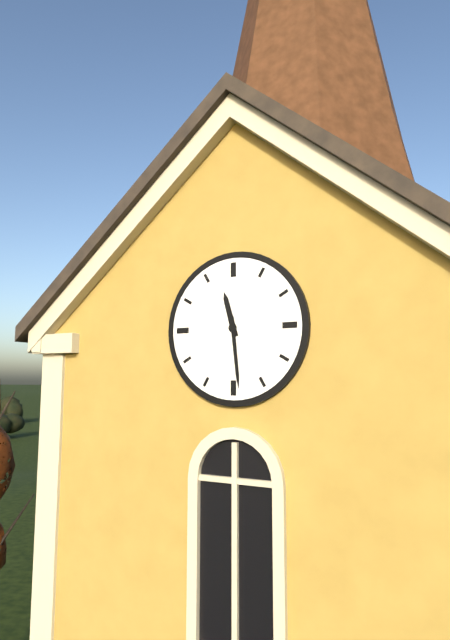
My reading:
**11:29**
